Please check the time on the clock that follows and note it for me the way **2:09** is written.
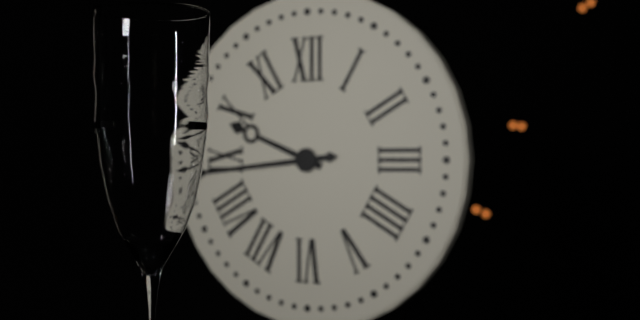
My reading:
**9:44**
